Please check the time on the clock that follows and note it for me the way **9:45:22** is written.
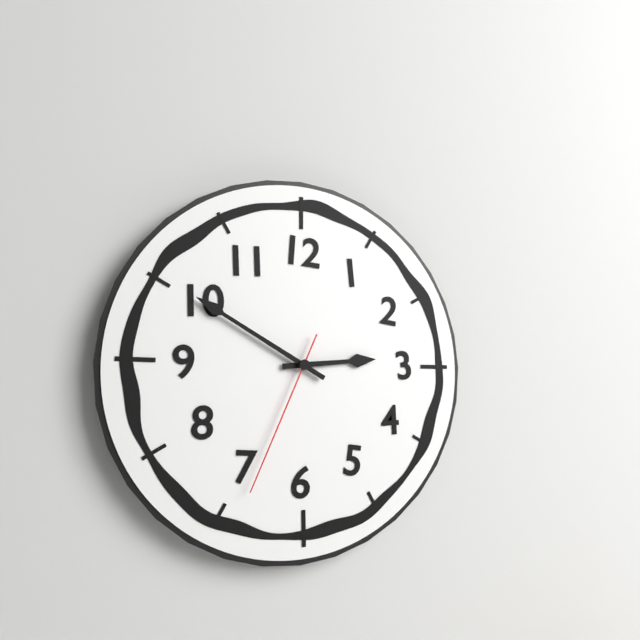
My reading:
**2:50:34**
